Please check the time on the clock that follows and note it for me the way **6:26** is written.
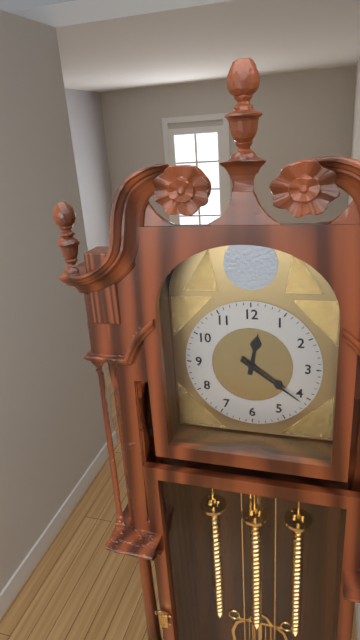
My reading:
**12:21**
